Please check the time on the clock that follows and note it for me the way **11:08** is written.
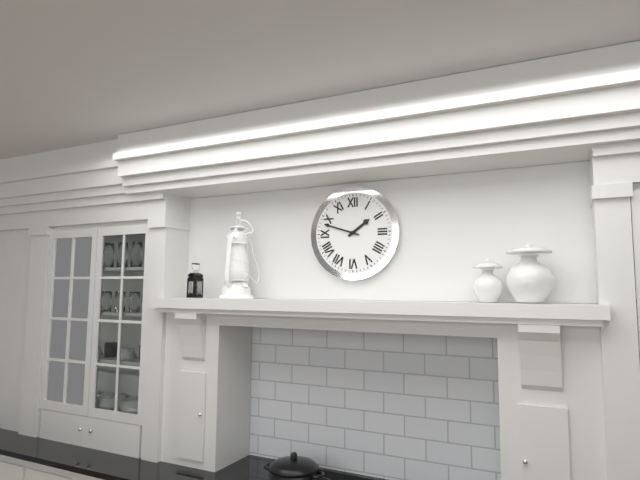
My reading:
**1:48**
